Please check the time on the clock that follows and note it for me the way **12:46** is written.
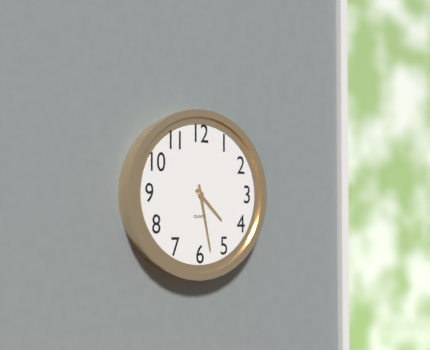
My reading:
**4:28**
